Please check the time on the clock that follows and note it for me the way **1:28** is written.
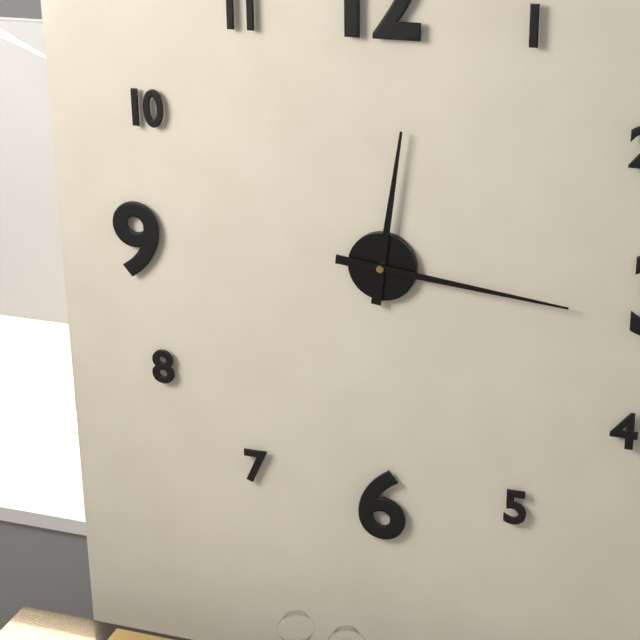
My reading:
**12:16**
